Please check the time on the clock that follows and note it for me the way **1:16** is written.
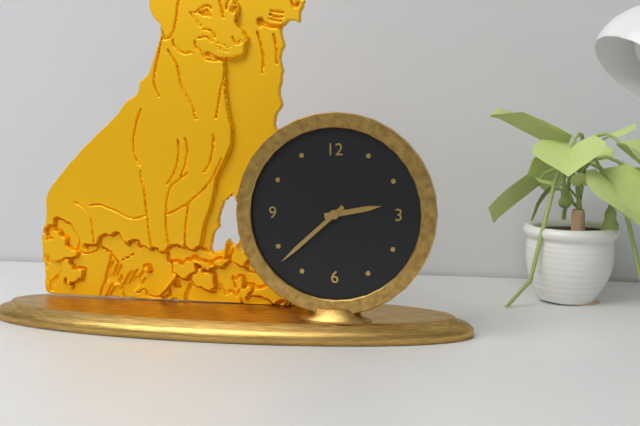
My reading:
**2:38**
